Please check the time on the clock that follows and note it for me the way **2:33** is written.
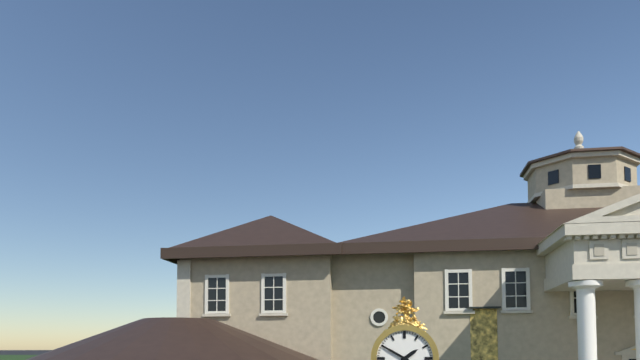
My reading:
**1:50**
